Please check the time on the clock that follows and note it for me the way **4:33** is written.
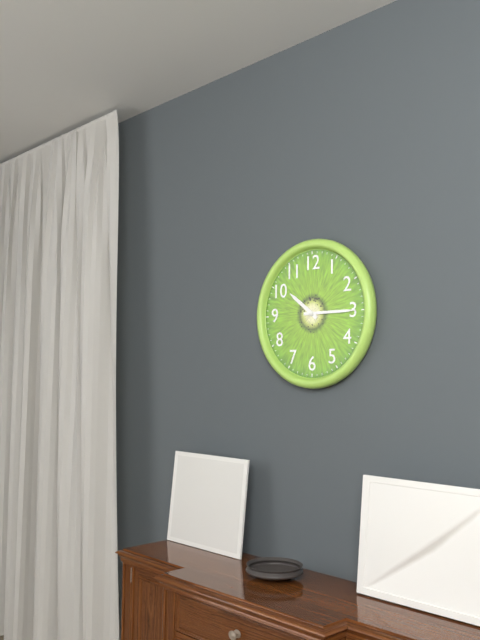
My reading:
**10:15**
